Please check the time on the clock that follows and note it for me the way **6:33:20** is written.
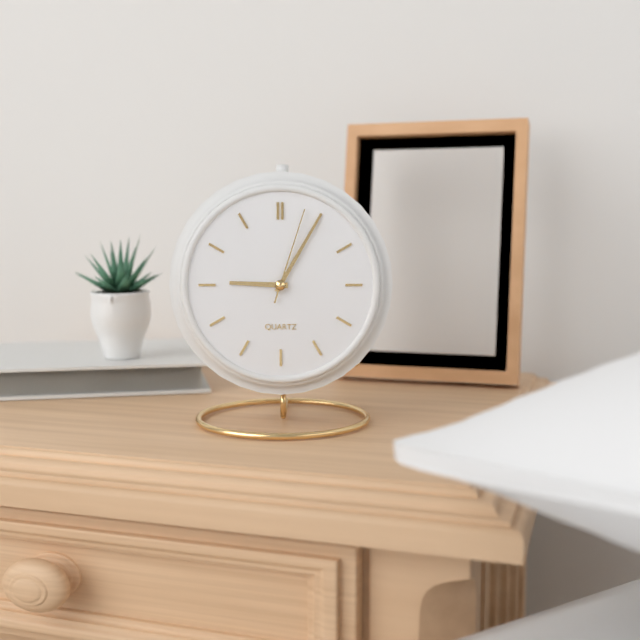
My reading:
**9:05:03**
